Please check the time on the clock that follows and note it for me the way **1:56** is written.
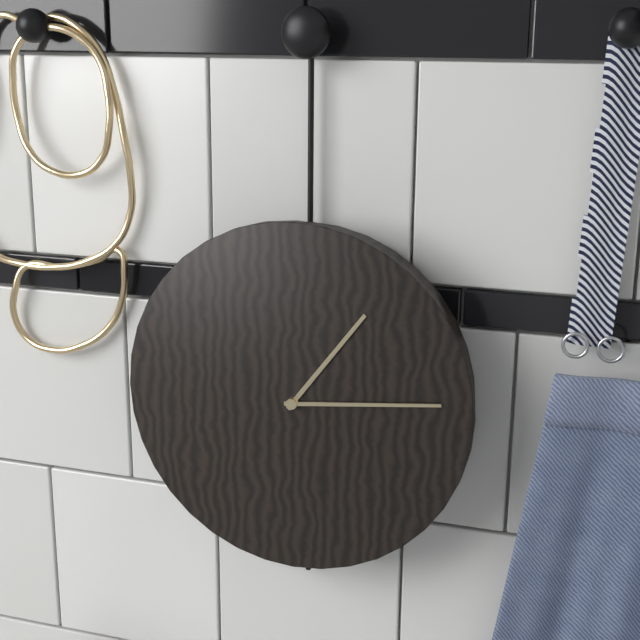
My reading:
**1:14**
